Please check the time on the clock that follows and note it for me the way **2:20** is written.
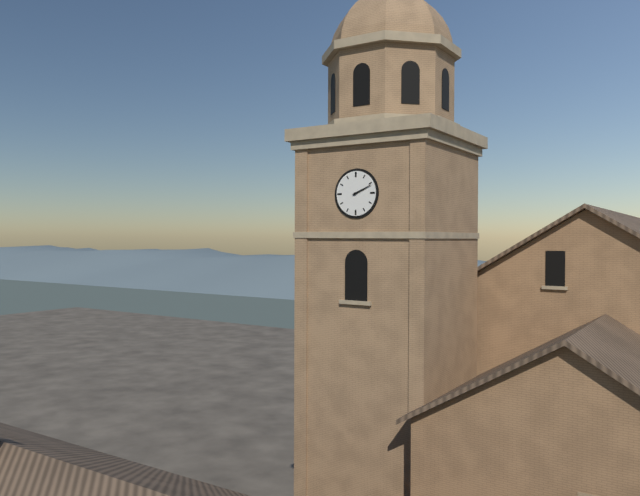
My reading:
**2:11**
